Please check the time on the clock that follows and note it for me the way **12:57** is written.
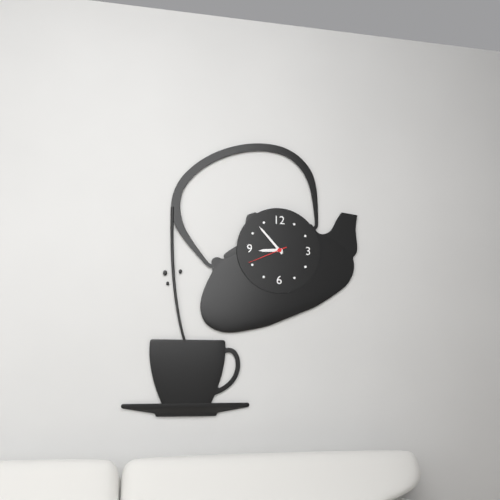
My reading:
**8:53**
